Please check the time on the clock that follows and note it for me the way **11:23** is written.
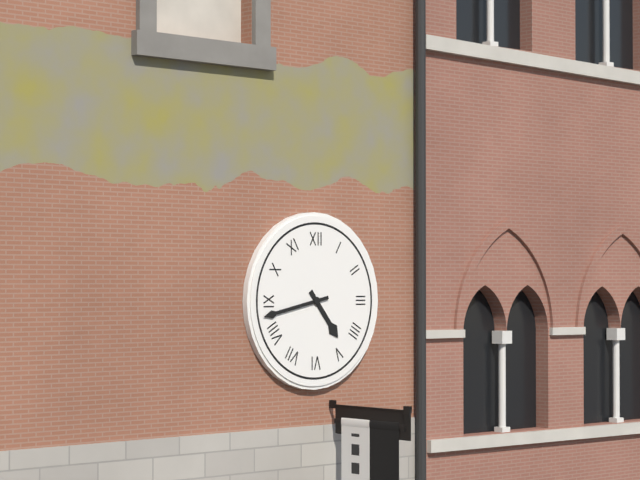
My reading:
**4:43**
